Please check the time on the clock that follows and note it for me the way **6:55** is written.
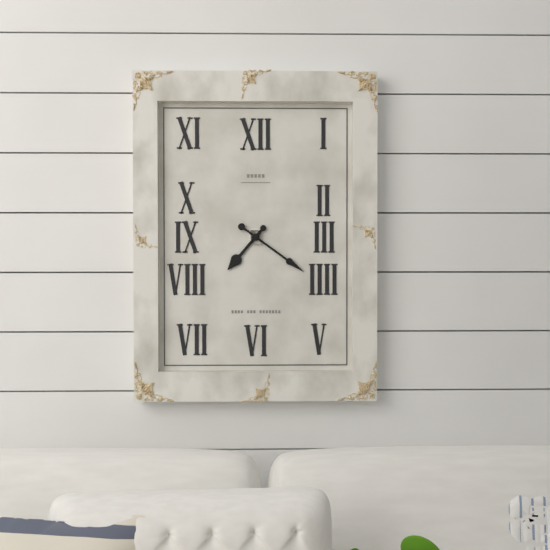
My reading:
**7:21**
